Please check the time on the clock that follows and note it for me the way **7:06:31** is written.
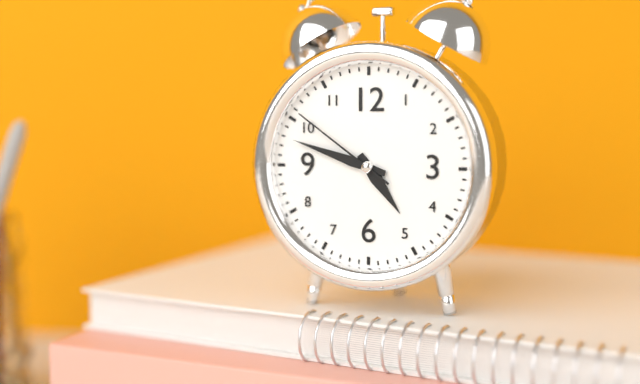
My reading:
**4:48:51**
